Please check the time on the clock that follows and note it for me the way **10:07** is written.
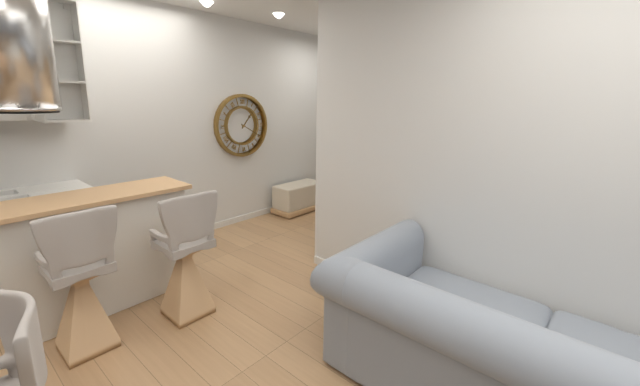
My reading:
**1:20**
